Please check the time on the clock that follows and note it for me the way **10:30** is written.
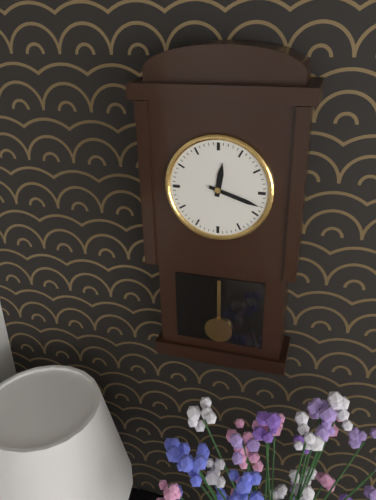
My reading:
**12:18**
